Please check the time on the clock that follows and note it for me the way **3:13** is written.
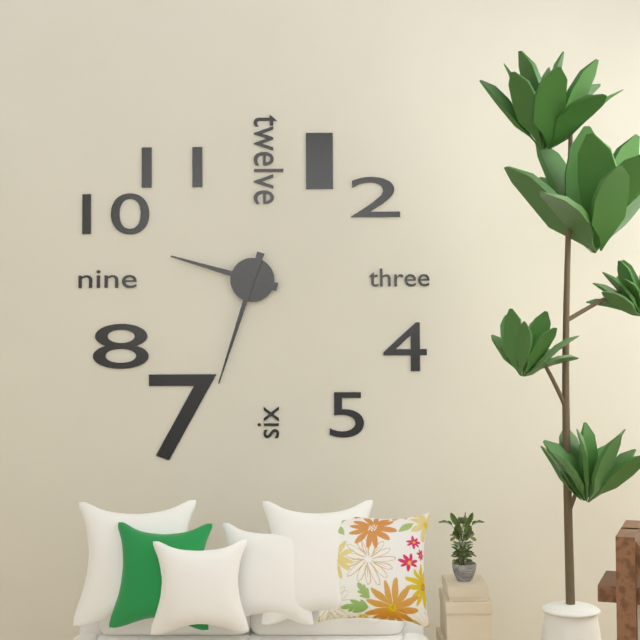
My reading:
**9:33**
